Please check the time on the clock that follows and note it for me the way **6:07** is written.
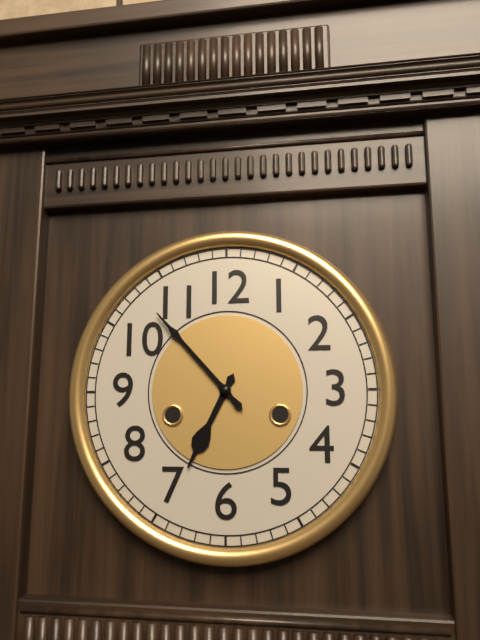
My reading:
**6:53**
